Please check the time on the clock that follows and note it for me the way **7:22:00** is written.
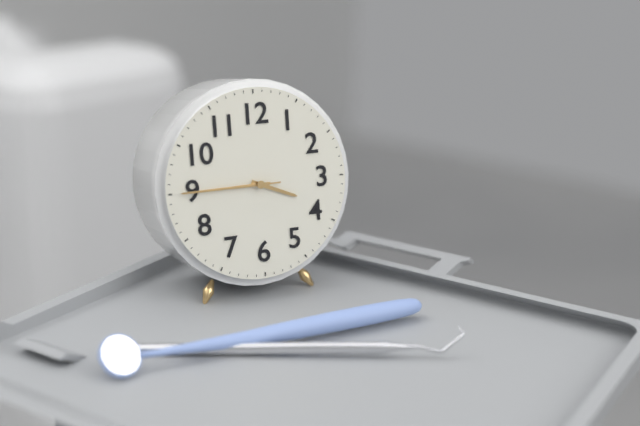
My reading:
**3:45:45**
